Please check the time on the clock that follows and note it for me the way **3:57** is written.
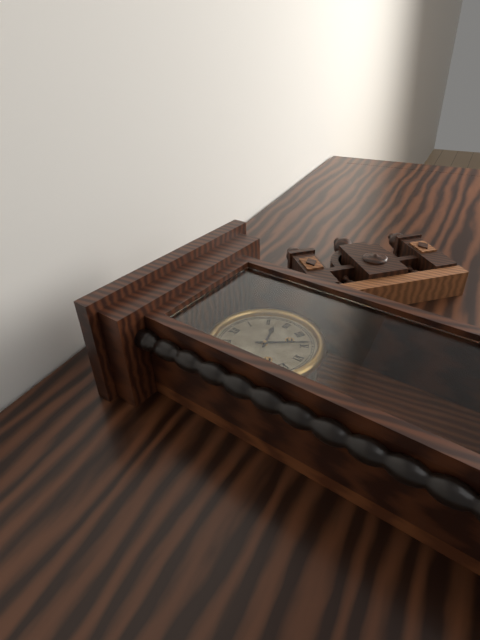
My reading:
**2:24**
